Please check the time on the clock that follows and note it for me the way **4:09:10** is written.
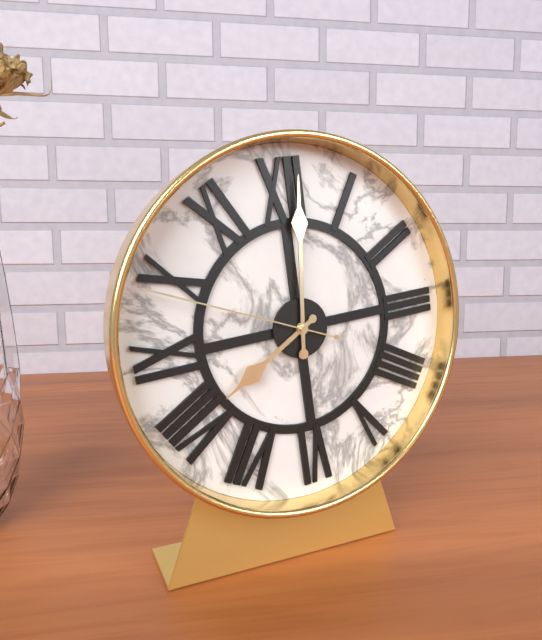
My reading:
**8:01:49**
